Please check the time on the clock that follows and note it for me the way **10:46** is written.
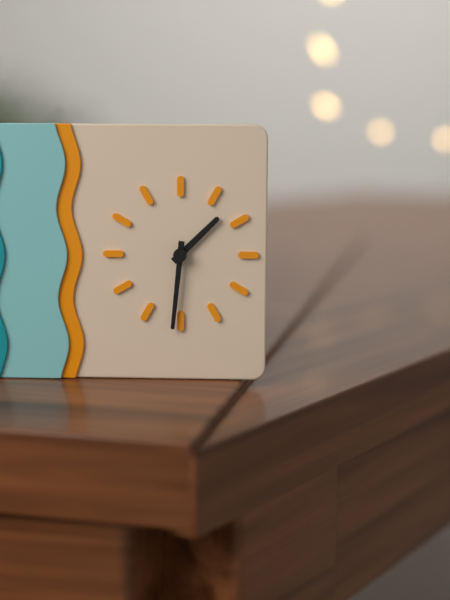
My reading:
**1:31**
